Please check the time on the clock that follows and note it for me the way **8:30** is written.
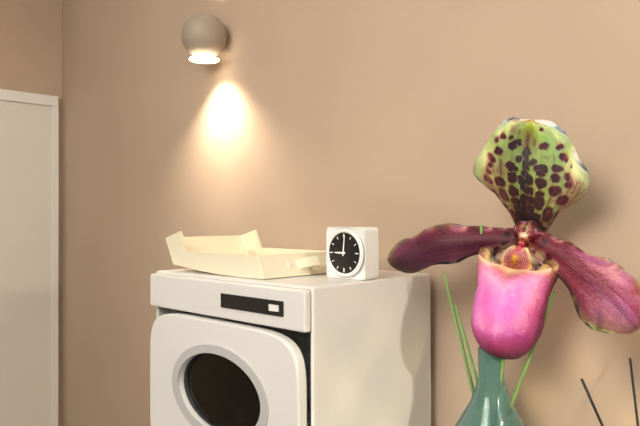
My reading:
**9:01**
